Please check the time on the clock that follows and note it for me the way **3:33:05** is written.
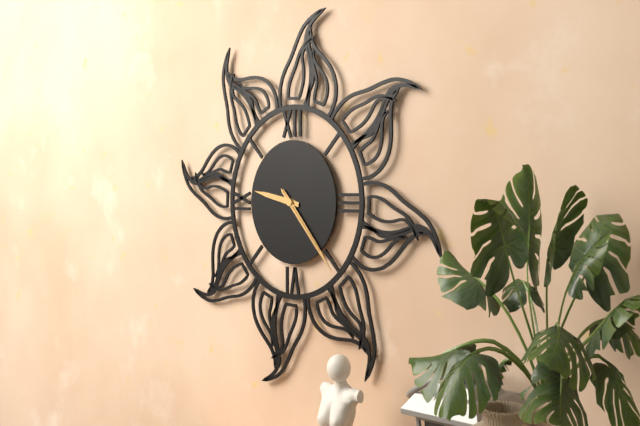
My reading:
**9:23:23**
